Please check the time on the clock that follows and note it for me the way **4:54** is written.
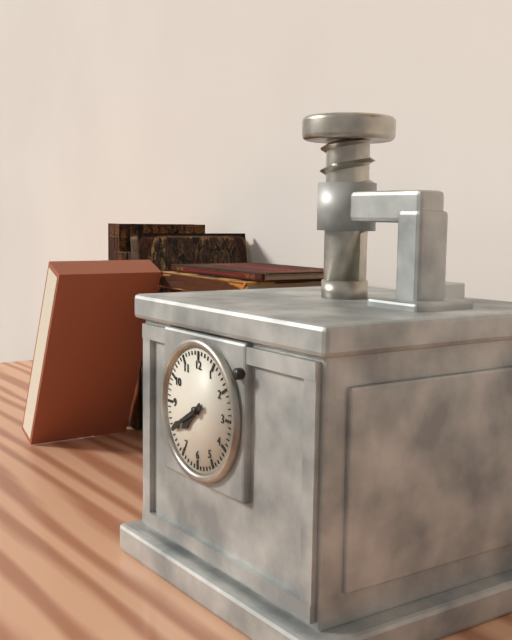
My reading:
**7:40**
